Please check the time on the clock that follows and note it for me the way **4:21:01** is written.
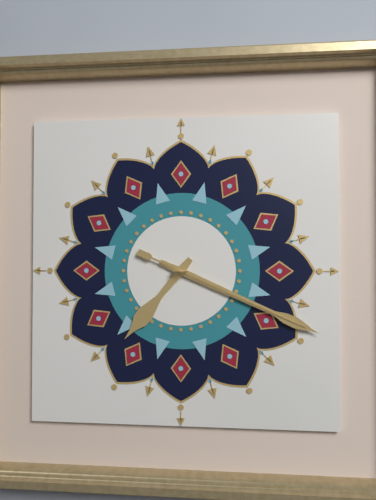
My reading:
**7:19:19**
